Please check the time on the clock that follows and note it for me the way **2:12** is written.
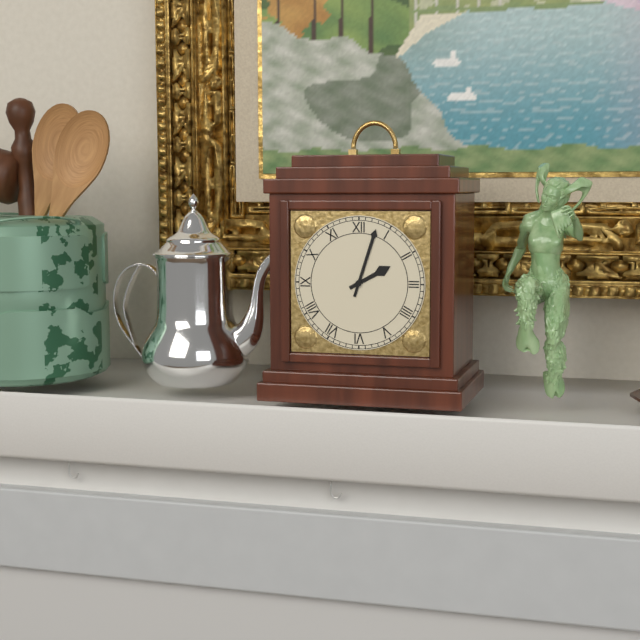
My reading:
**2:03**
